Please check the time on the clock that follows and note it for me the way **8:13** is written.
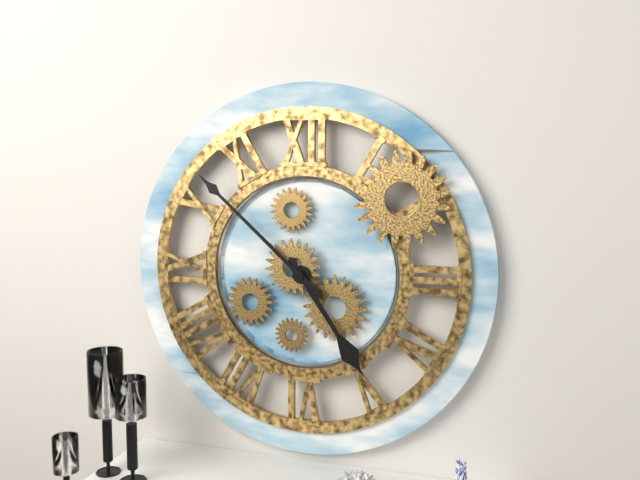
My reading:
**4:52**
